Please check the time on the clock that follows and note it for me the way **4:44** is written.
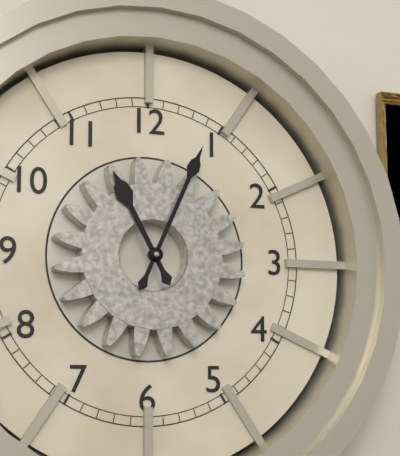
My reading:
**11:04**
